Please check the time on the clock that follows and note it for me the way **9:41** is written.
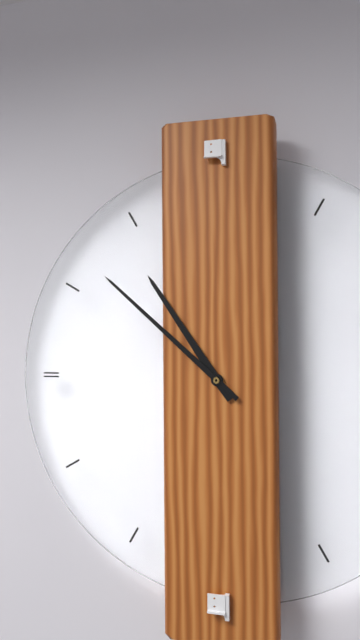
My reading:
**10:52**
